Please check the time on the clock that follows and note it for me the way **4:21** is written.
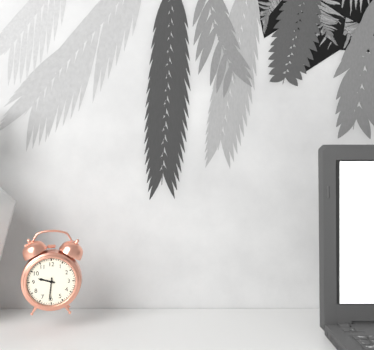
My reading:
**9:31**
